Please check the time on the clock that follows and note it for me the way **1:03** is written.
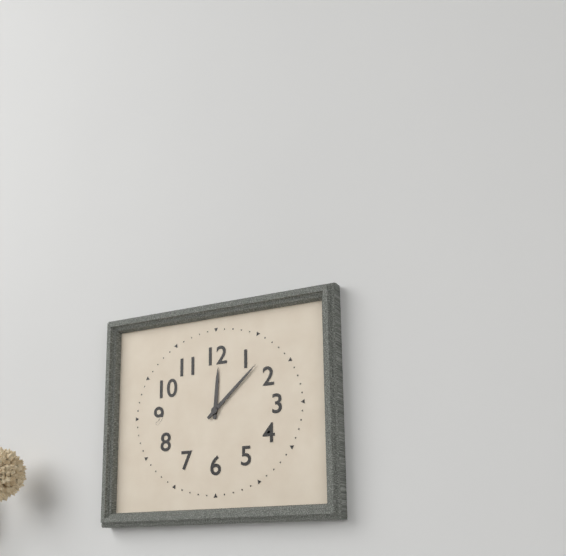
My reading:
**12:08**
